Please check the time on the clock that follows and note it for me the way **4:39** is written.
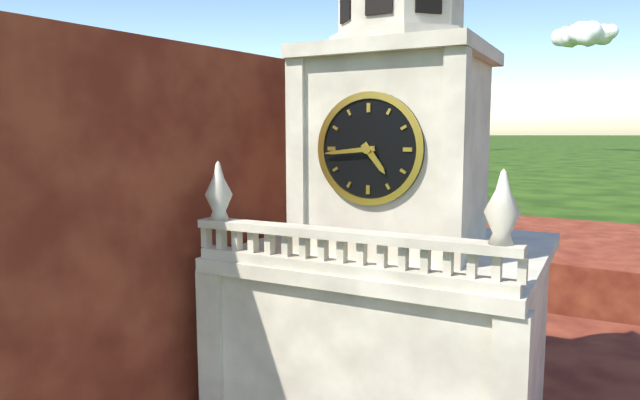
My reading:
**4:44**
